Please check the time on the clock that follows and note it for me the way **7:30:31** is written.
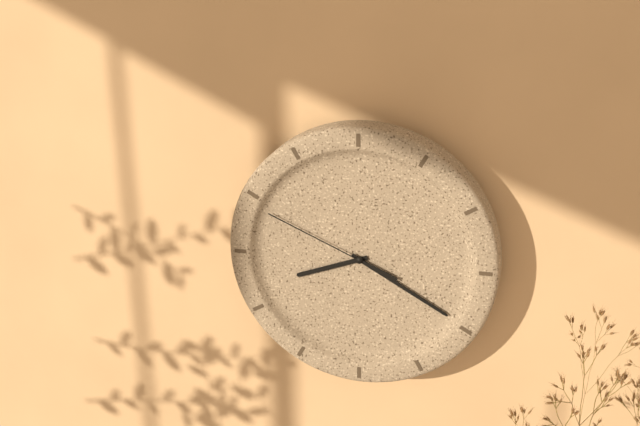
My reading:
**8:20:49**
